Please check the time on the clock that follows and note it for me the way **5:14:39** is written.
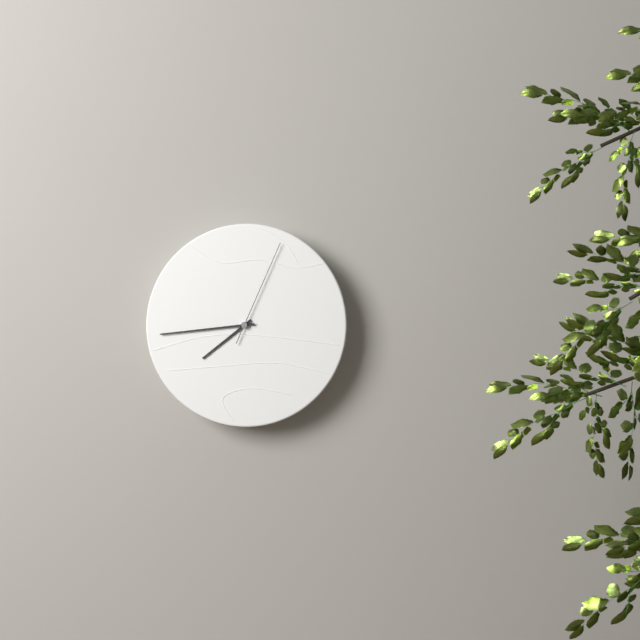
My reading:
**7:44:04**
